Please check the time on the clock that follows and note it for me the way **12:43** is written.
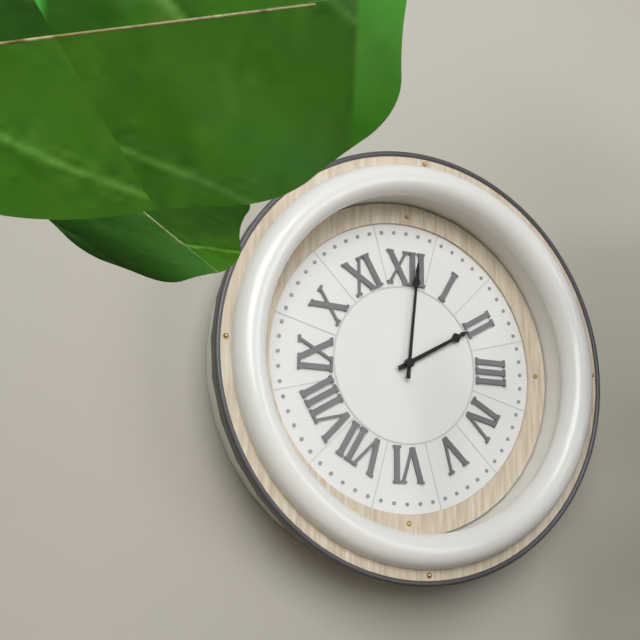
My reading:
**2:01**
